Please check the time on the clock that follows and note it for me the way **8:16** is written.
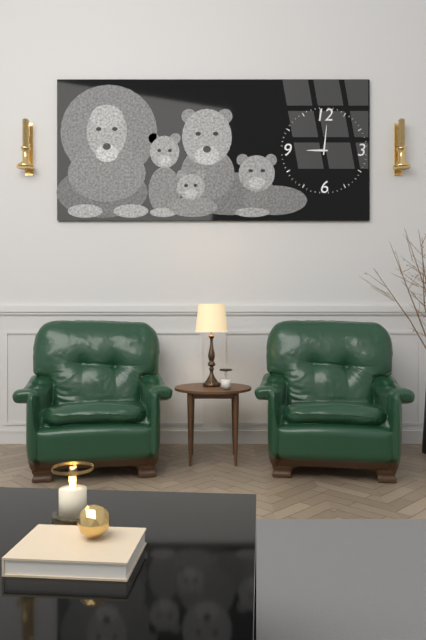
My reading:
**9:01**
